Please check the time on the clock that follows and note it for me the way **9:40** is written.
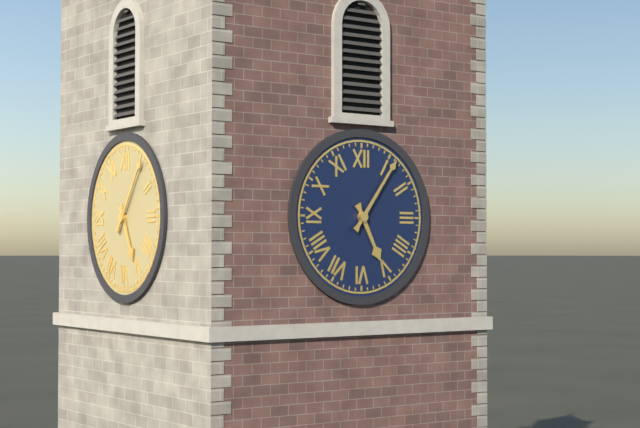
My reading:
**5:06**
